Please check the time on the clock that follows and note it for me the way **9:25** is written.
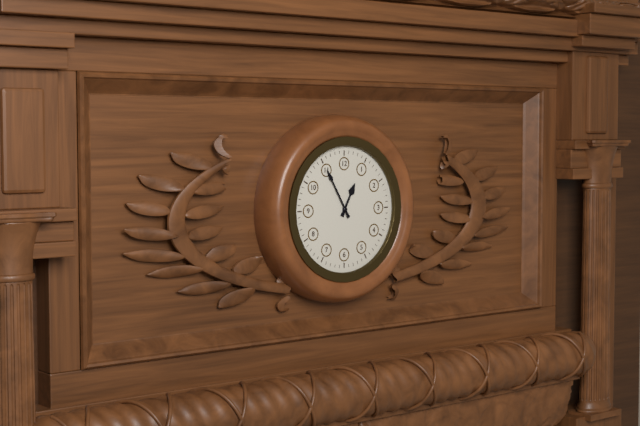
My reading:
**12:55**
